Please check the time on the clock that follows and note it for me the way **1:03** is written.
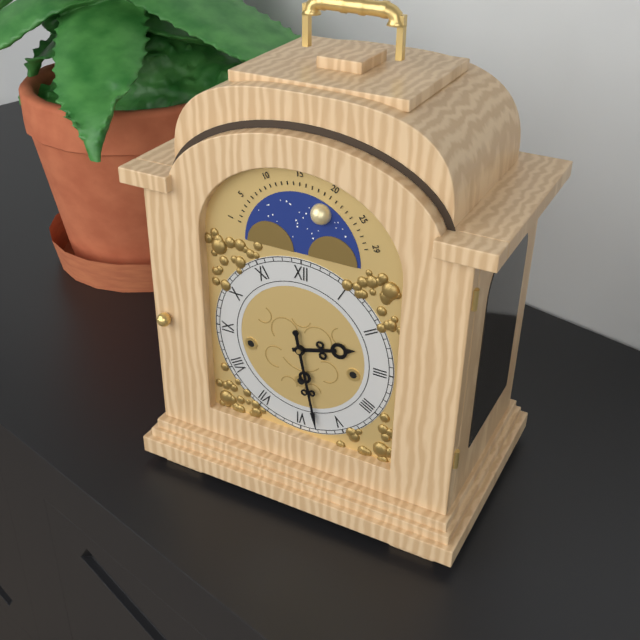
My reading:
**2:28**
